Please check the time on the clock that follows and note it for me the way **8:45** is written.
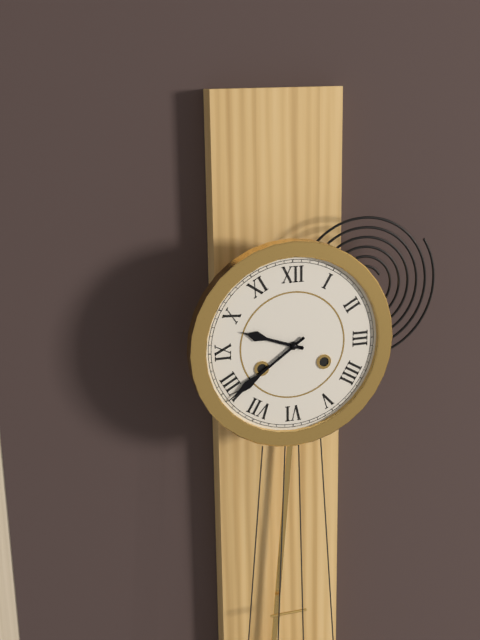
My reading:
**9:39**
